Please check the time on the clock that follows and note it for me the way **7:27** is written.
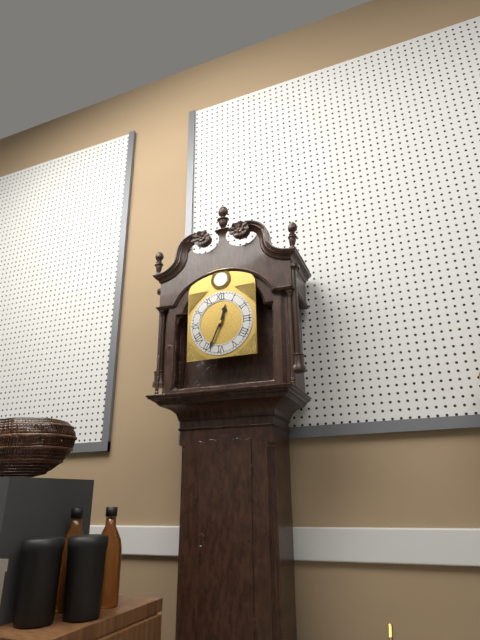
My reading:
**12:34**
